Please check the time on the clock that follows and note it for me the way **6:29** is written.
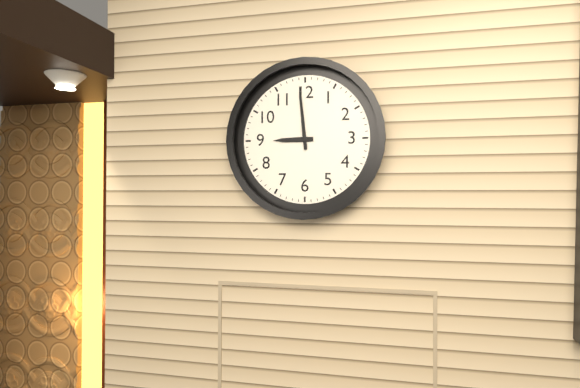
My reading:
**8:59**
